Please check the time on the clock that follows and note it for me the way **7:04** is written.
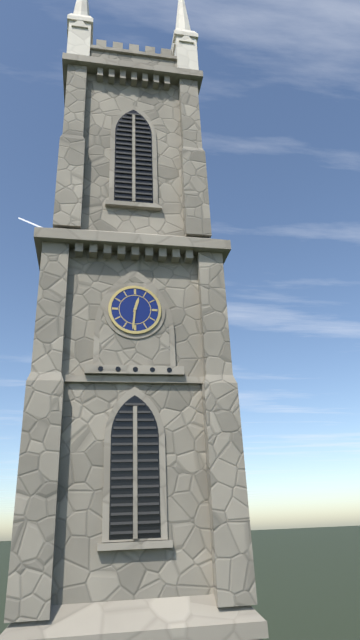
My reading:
**12:31**
